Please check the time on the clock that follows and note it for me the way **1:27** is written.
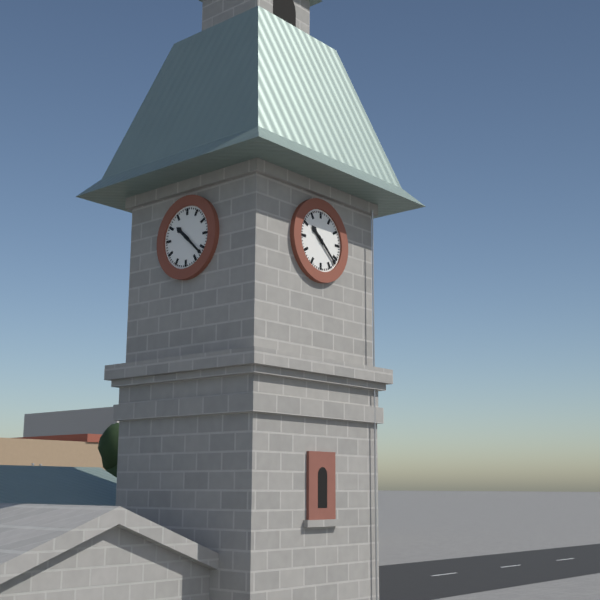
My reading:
**10:22**
